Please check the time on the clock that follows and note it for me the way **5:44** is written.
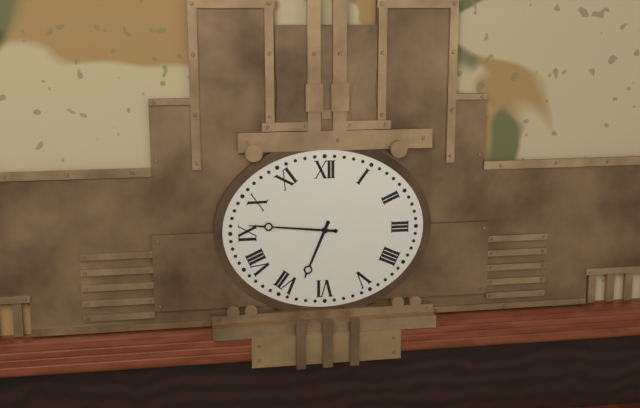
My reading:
**6:46**
